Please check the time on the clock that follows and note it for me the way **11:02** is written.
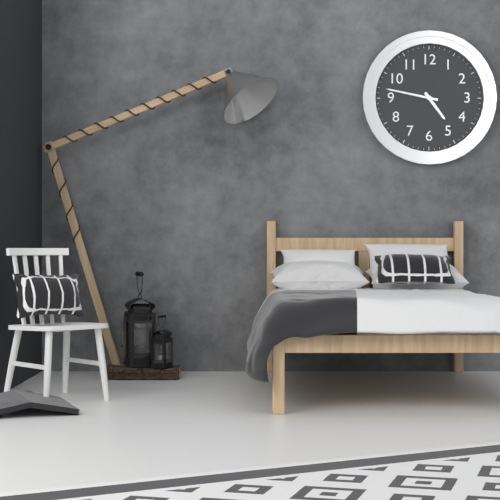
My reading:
**4:47**
